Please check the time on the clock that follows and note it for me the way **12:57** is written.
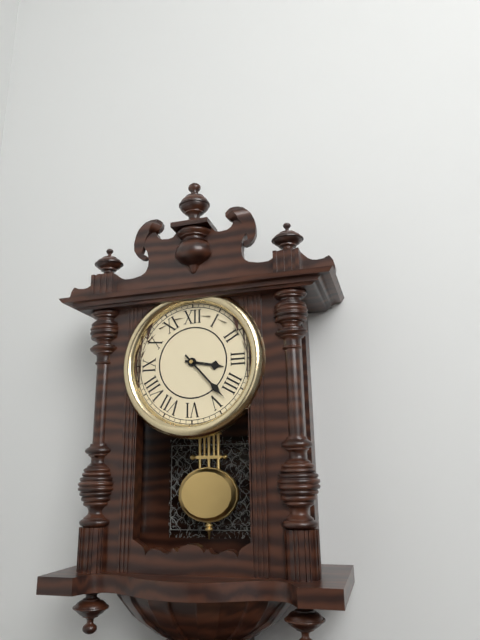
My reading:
**3:23**
